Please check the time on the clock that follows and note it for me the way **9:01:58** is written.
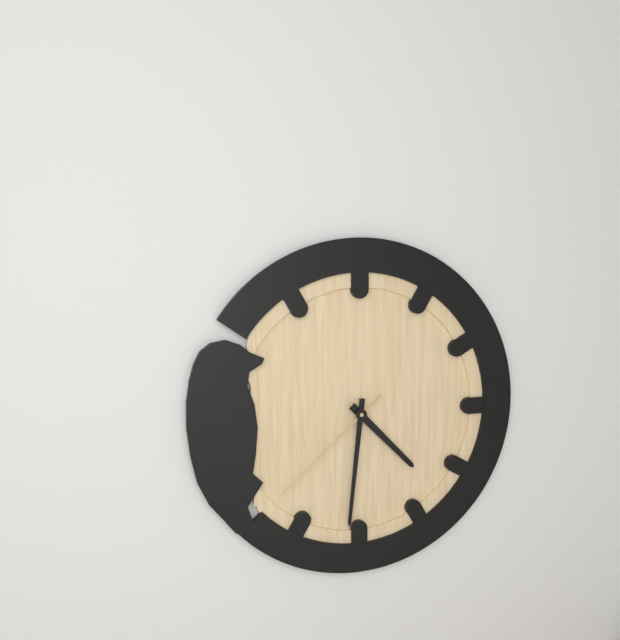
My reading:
**4:31:38**
